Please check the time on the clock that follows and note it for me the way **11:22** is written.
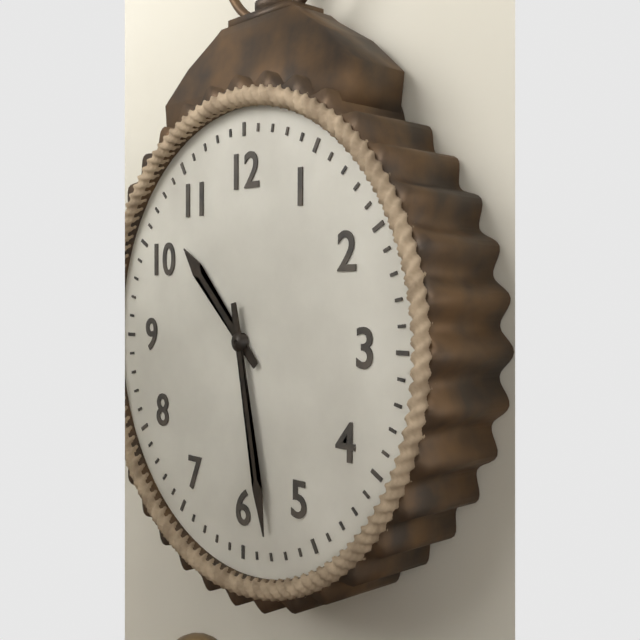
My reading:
**10:28**
